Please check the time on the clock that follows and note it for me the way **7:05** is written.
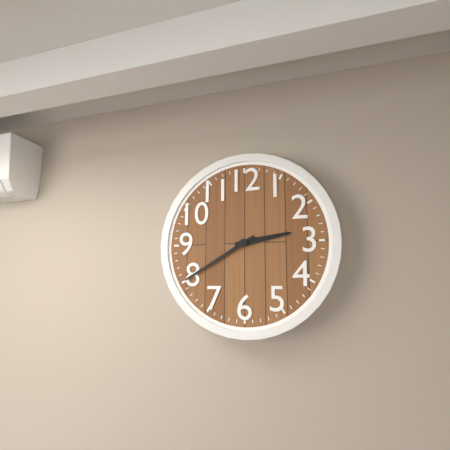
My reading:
**2:40**
